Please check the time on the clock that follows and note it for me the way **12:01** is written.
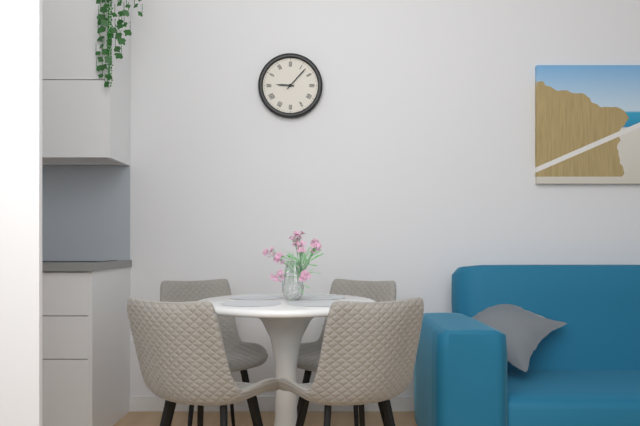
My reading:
**9:07**
